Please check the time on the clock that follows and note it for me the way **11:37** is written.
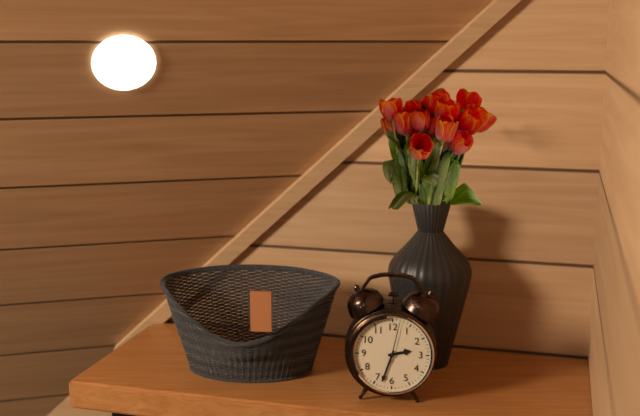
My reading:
**2:33**
